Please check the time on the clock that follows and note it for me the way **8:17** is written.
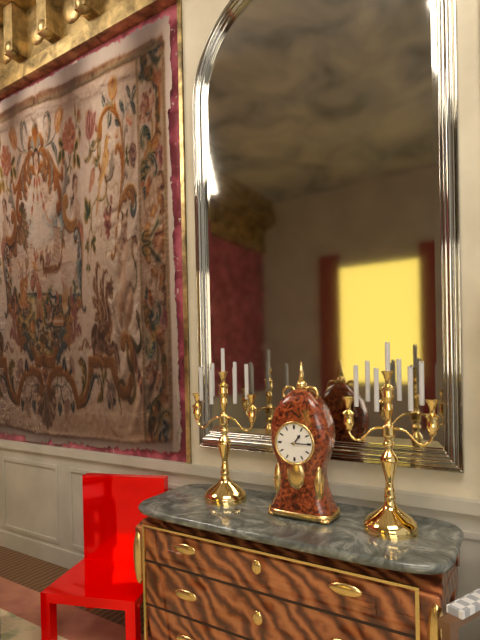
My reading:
**1:15**
